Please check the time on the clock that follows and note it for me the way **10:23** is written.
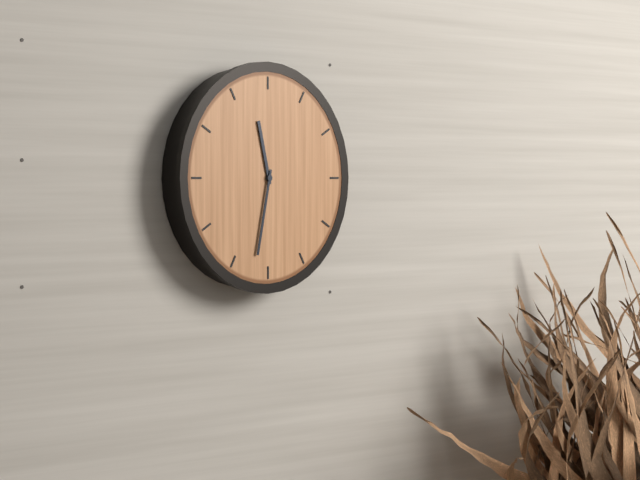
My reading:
**11:32**
